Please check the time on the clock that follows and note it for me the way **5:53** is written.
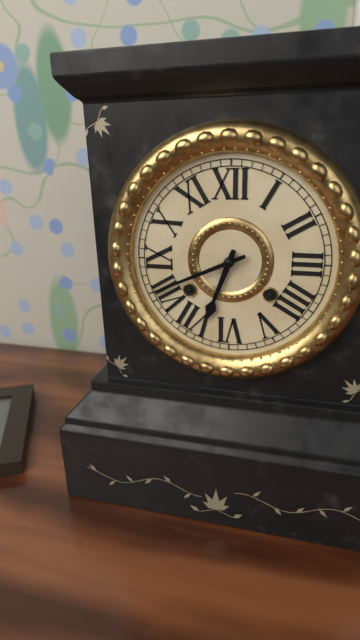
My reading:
**6:41**
